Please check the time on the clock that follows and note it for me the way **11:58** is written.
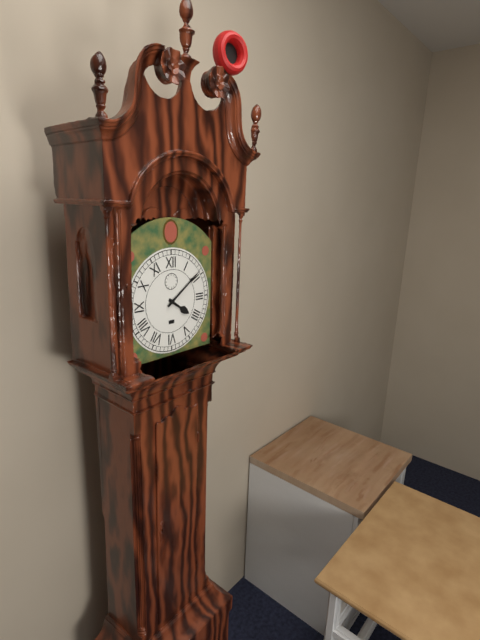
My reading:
**4:09**
